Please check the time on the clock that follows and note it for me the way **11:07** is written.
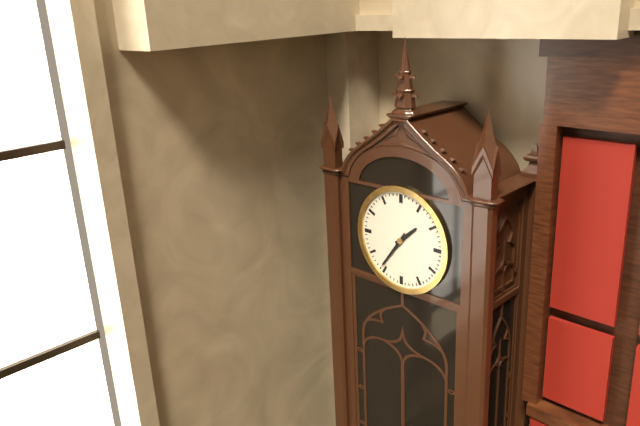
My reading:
**1:36**
